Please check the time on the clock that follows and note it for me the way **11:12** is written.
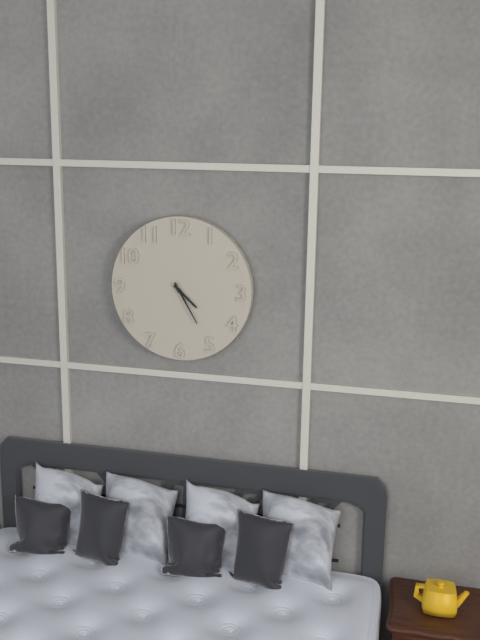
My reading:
**4:25**
